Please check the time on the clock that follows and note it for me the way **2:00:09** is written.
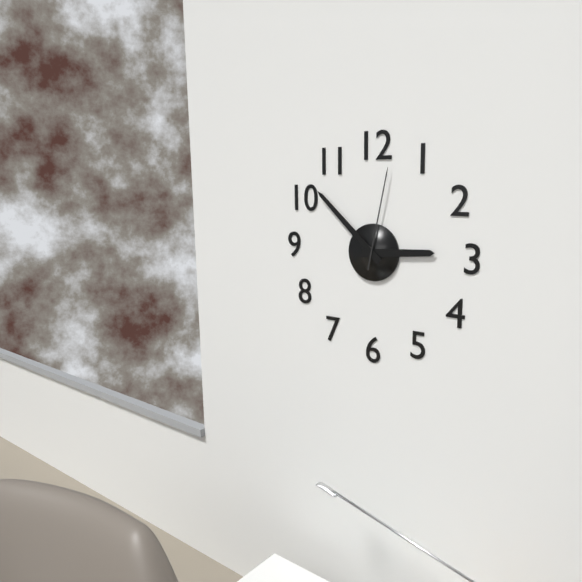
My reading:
**2:52:02**
